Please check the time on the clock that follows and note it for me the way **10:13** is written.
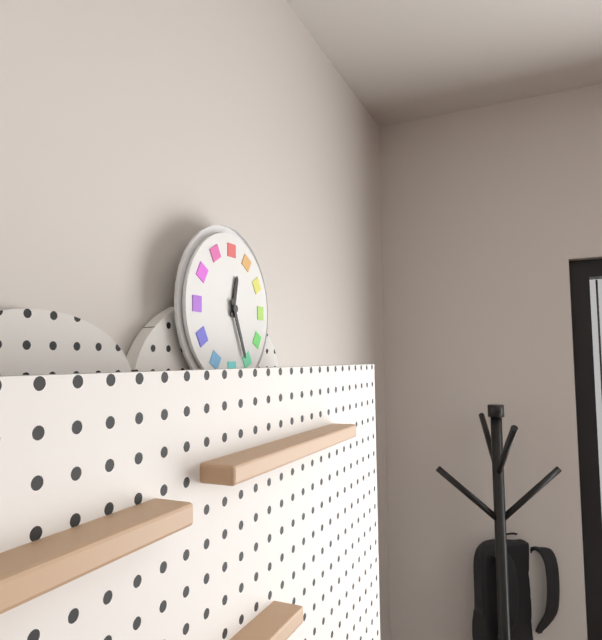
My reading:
**12:26**
